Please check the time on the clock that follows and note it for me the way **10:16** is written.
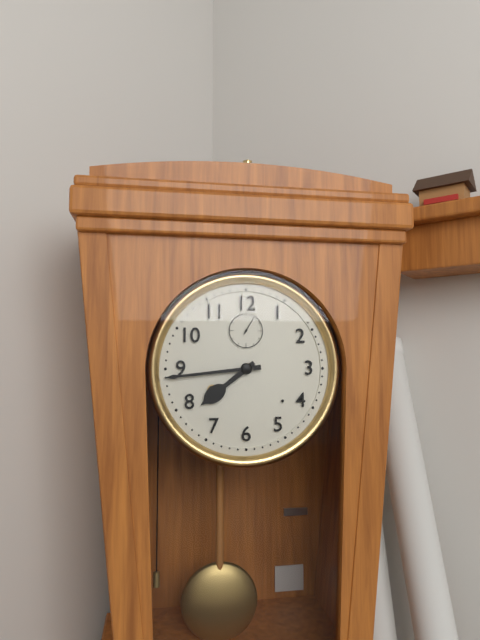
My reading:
**7:44**
